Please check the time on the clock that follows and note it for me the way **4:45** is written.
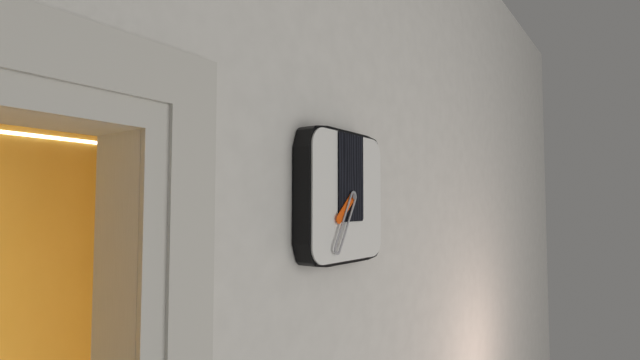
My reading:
**7:35**
